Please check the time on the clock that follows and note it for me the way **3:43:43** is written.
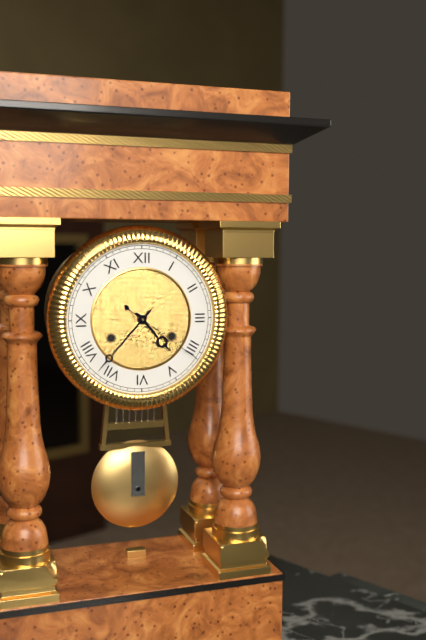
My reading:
**4:37:21**
